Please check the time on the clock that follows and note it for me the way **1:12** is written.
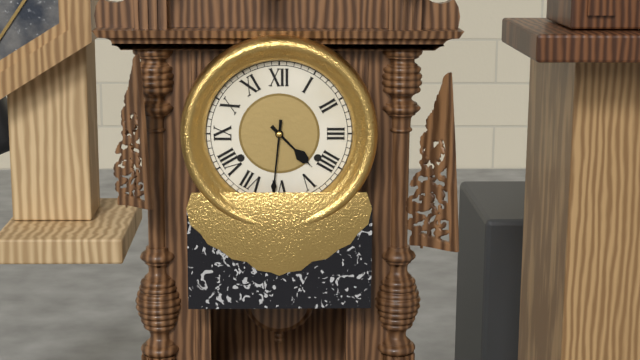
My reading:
**4:31**
